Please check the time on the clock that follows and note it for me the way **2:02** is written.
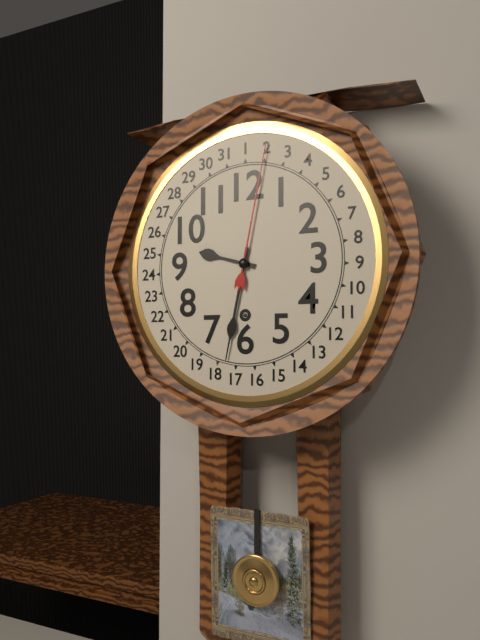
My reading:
**9:32**
